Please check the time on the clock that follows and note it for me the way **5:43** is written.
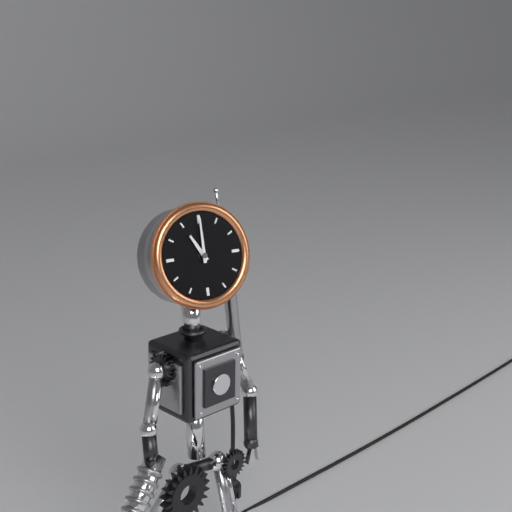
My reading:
**11:00**
